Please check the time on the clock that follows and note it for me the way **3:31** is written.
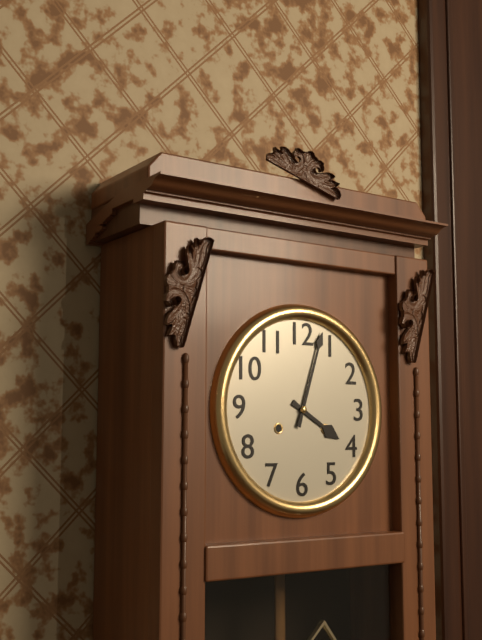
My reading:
**4:03**
